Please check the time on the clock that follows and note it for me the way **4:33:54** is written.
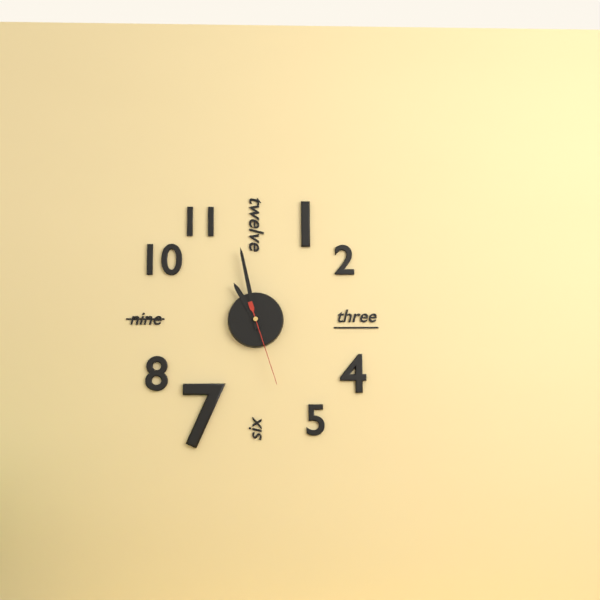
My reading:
**10:58:27**
